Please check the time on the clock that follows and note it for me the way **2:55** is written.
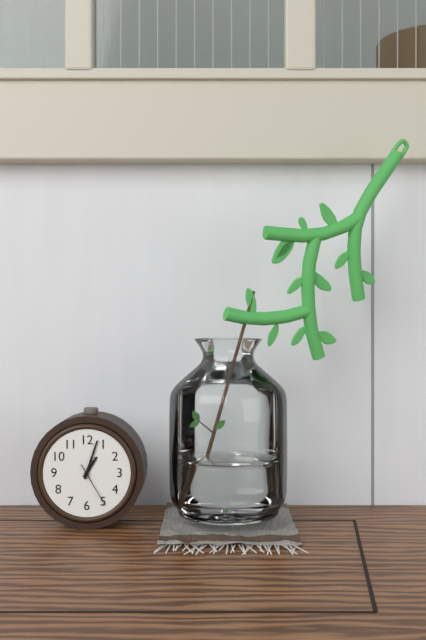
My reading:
**1:03**
